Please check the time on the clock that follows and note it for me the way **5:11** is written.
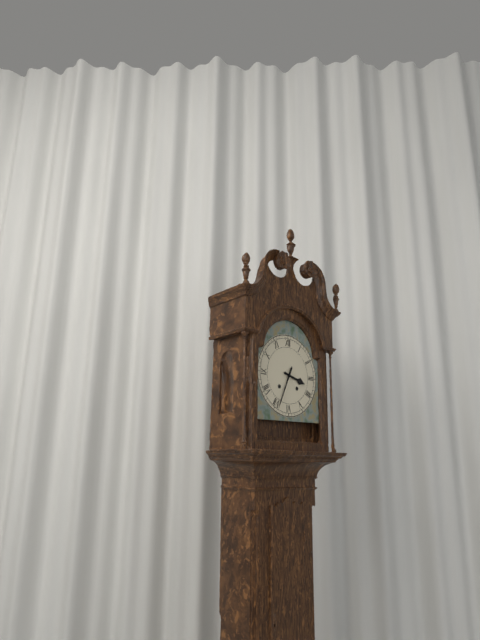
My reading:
**3:34**
